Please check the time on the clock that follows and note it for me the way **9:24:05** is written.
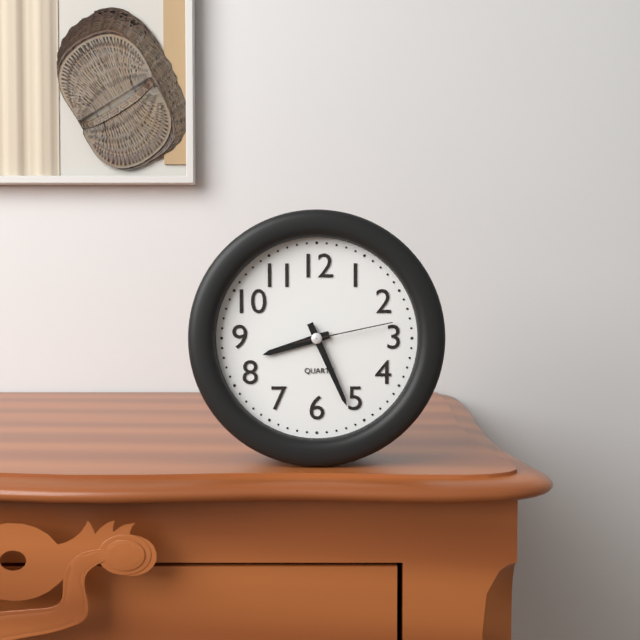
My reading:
**8:26:13**
